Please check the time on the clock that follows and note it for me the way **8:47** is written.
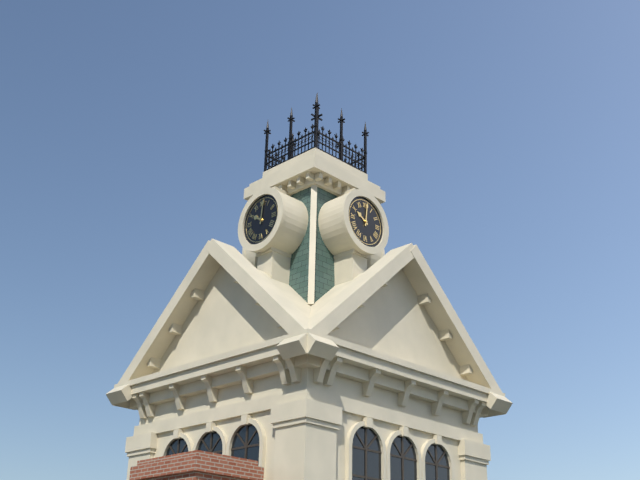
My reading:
**10:01**
